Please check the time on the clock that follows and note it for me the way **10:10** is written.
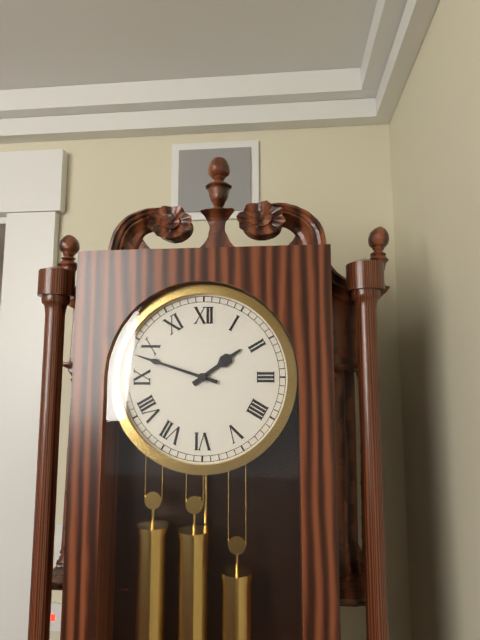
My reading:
**1:48**
